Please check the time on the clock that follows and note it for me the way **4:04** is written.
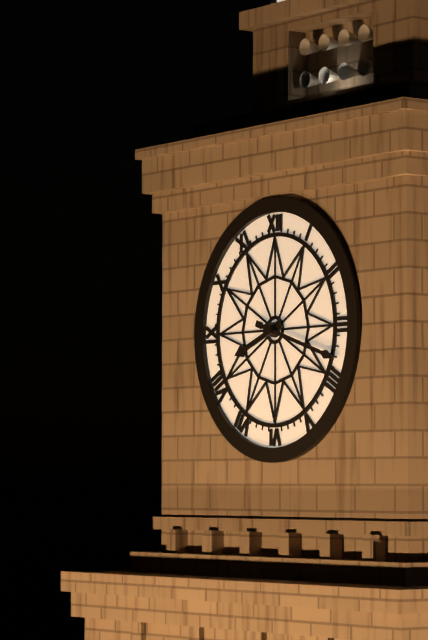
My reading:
**8:18**
